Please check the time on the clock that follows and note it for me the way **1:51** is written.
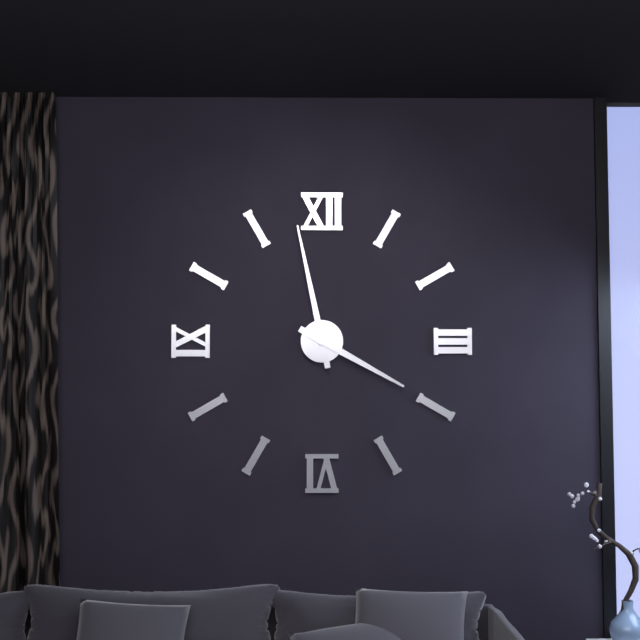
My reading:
**3:58**
